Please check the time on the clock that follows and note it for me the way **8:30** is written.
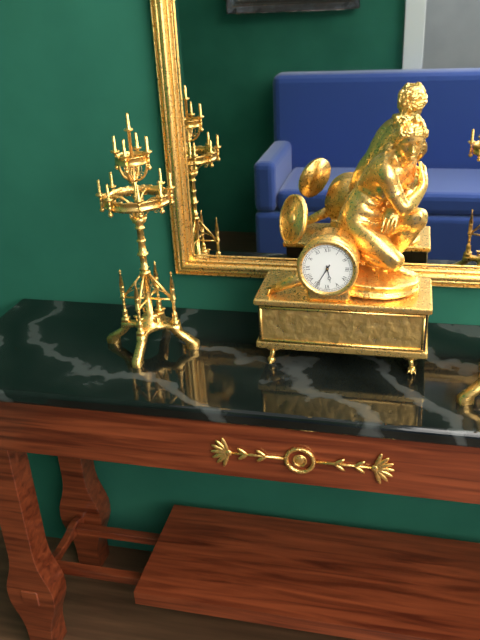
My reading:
**5:35**
